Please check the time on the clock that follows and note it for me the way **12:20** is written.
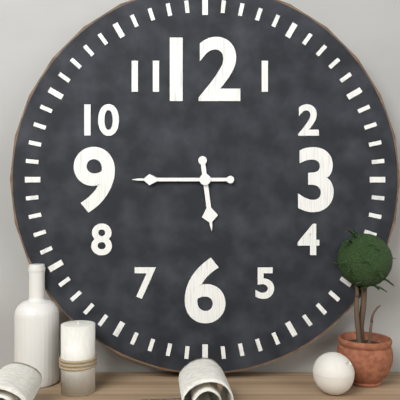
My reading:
**5:45**
